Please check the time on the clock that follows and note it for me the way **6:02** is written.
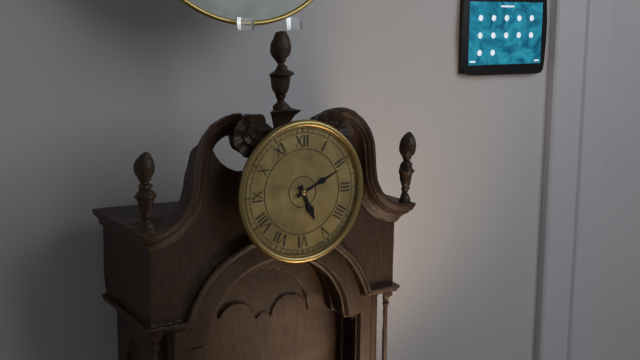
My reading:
**5:11**
